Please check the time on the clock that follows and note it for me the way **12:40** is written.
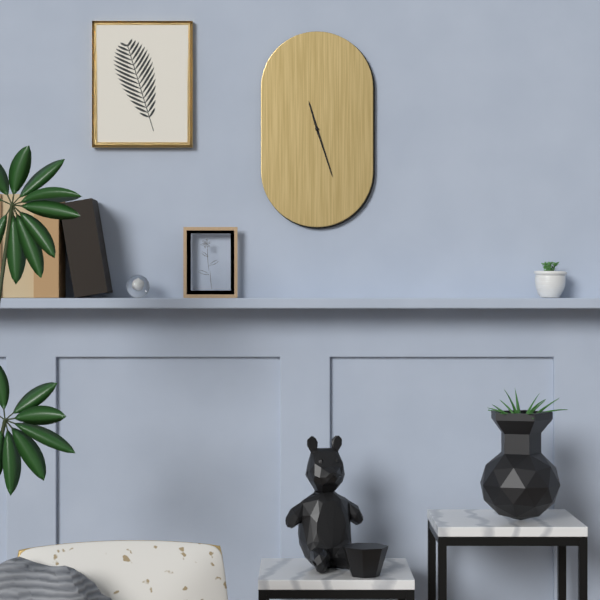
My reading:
**11:27**
